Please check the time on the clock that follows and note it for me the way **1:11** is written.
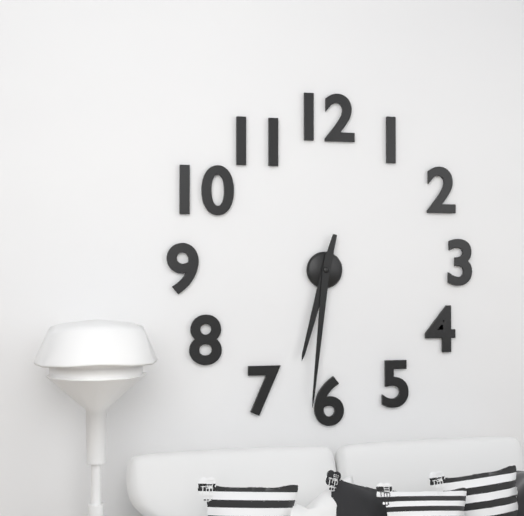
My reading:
**6:31**
